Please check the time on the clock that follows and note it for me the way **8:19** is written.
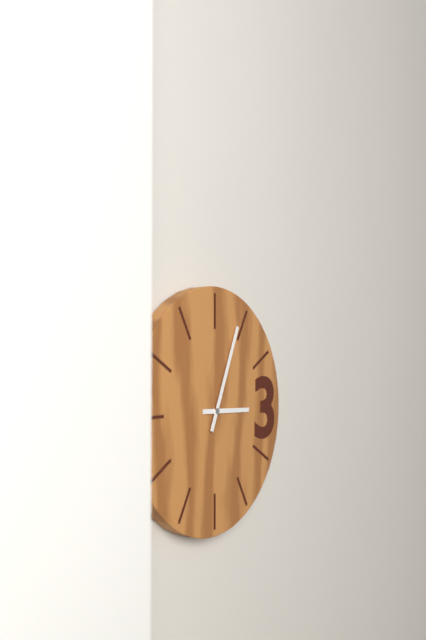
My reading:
**3:04**
